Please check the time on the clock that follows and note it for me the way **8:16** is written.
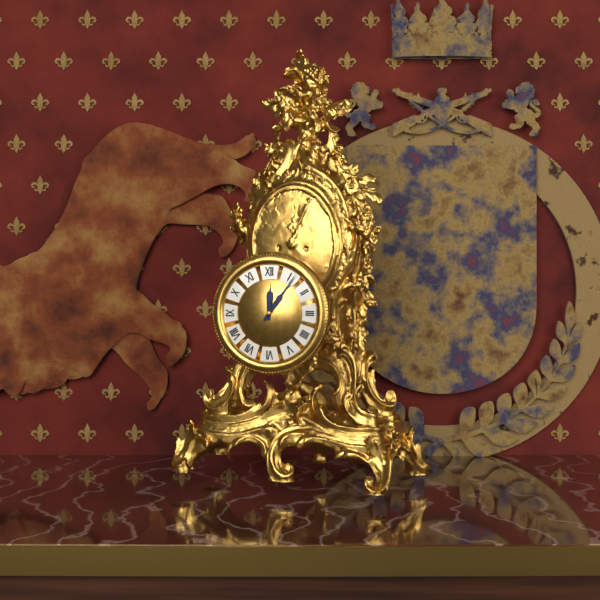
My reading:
**12:06**
